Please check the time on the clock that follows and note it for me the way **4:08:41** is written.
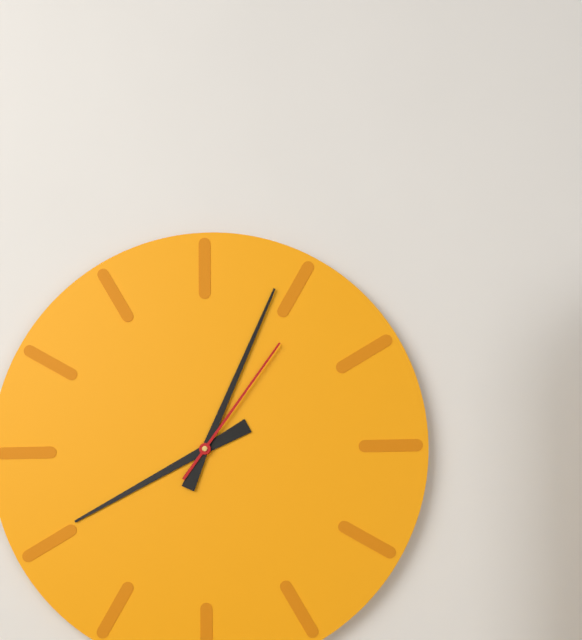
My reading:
**8:04:06**
